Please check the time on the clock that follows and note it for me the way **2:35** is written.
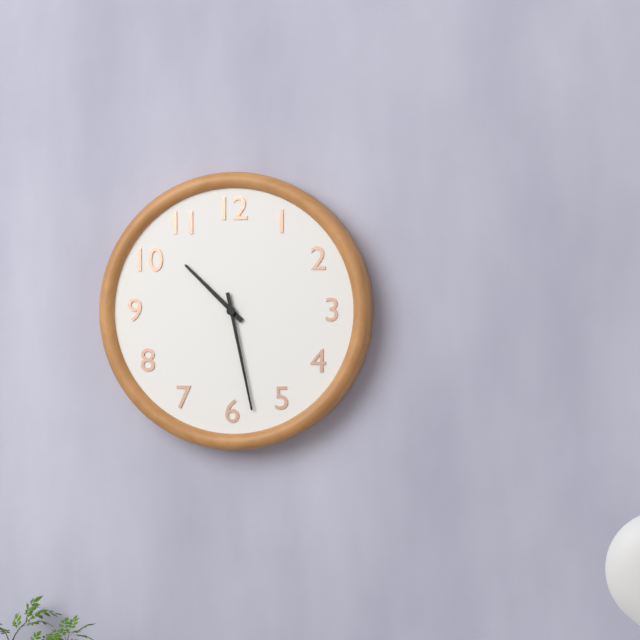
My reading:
**10:28**
